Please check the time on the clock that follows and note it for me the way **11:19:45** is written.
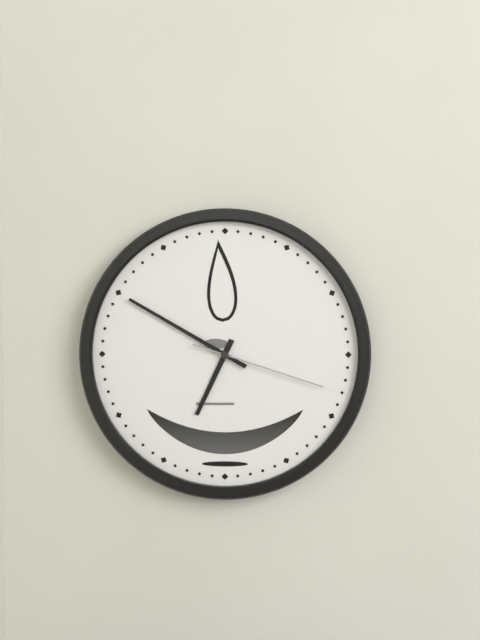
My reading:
**6:50:18**
